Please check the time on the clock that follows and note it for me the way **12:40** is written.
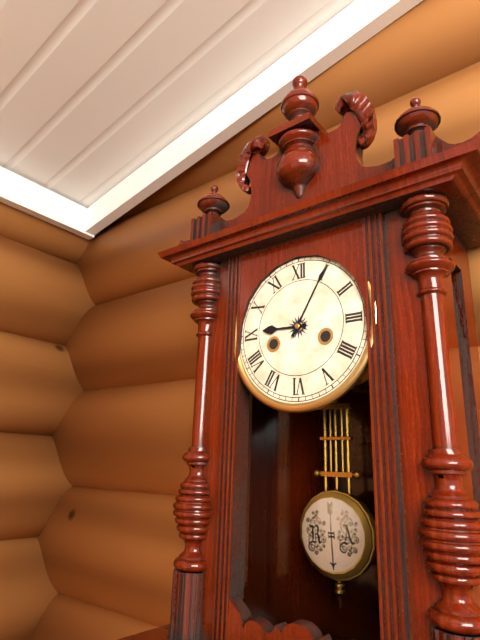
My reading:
**9:05**
